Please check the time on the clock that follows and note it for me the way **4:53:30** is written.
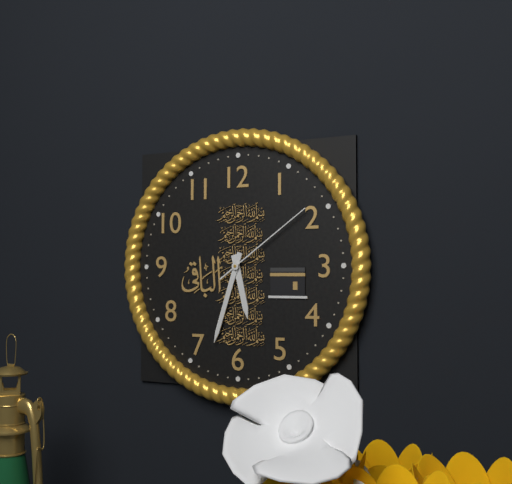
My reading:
**5:33:09**
